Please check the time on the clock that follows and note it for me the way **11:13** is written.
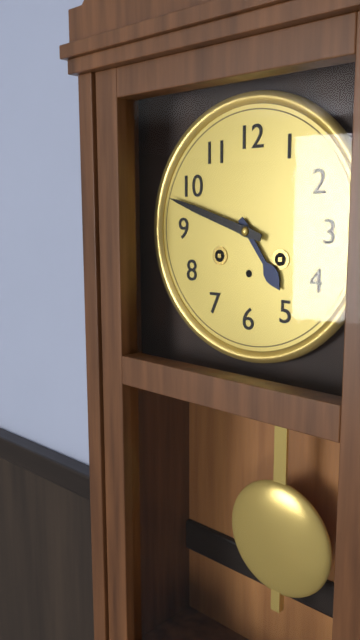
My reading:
**4:48**
